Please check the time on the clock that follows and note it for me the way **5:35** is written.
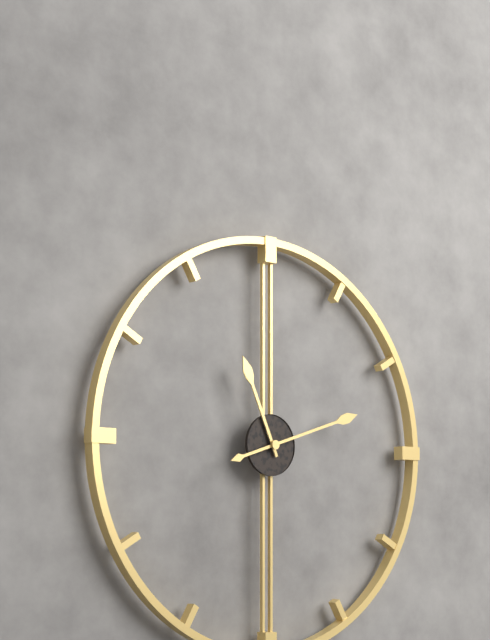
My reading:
**11:12**
